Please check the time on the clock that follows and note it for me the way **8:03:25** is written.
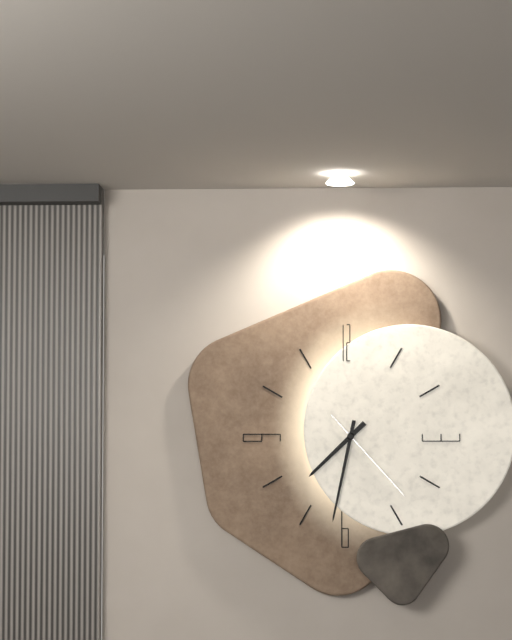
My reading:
**7:32:23**
